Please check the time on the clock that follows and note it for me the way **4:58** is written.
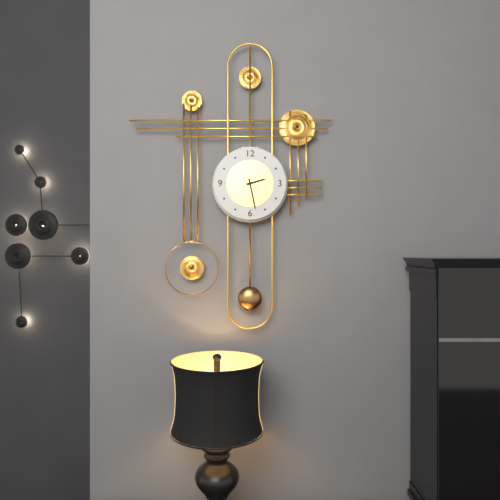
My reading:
**2:28**
